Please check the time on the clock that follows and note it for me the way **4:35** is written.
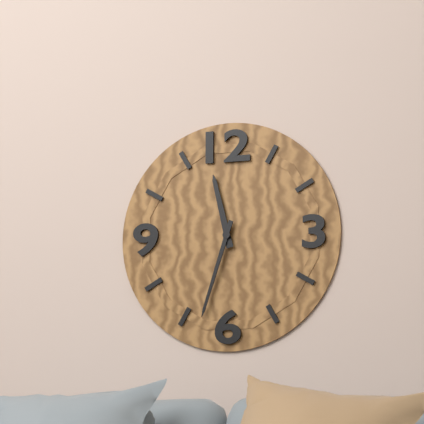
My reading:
**11:33**
